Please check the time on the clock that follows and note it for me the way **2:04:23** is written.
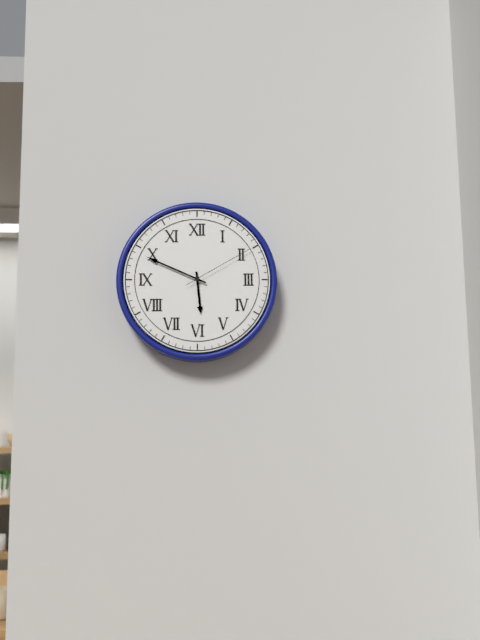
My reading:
**5:49:10**
